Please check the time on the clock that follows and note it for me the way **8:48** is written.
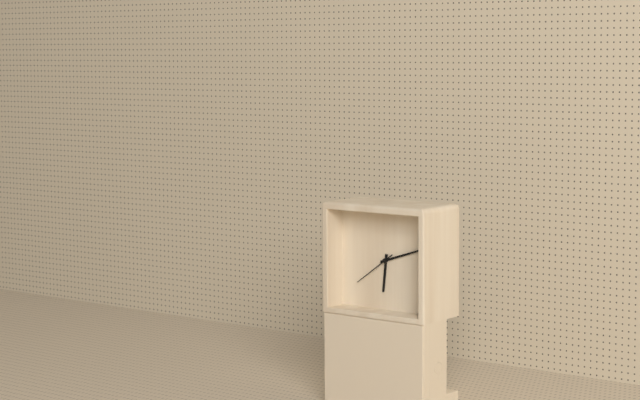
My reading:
**6:12**
